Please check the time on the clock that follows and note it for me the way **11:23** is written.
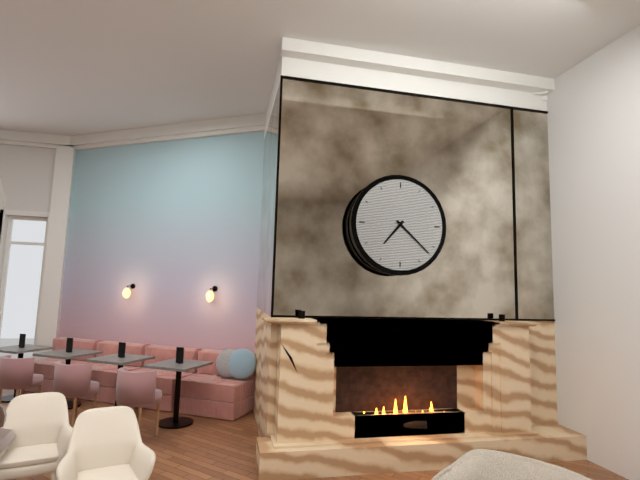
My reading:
**7:22**
